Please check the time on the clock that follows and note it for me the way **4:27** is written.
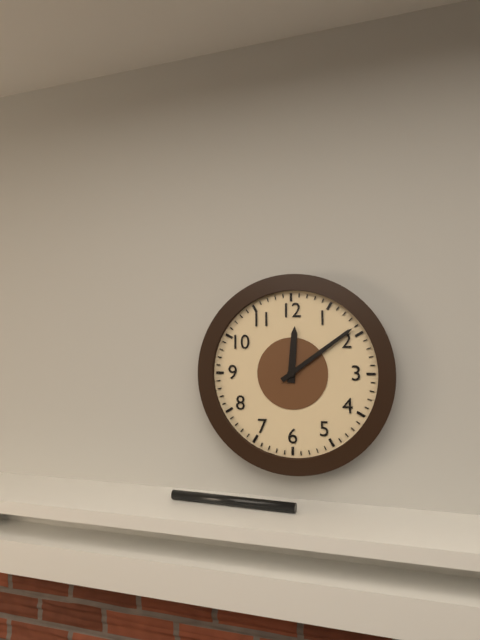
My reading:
**12:09**
